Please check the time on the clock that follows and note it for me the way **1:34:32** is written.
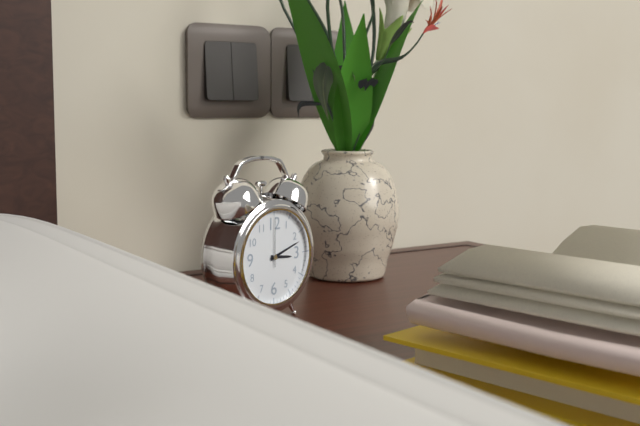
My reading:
**3:12:00**
